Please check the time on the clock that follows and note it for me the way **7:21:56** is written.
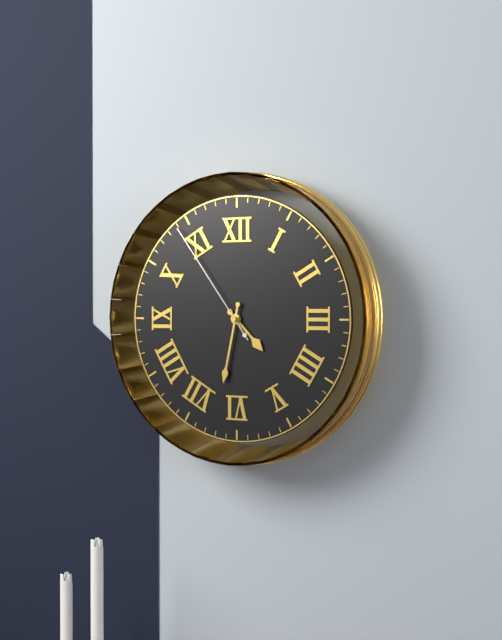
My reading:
**4:32:54**
